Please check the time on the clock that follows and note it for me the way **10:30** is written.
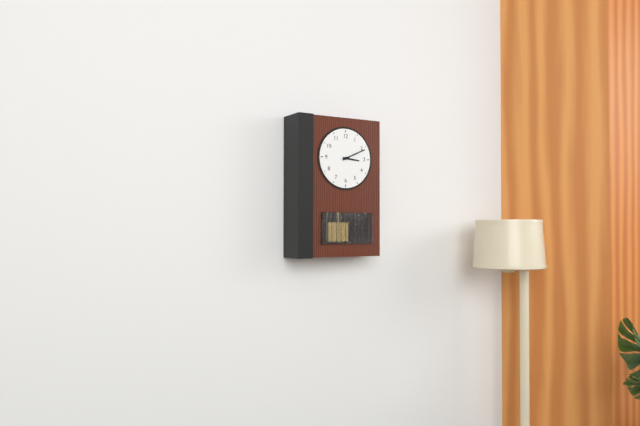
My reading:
**3:11**
